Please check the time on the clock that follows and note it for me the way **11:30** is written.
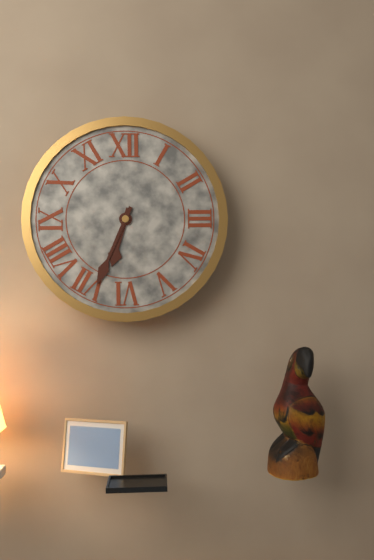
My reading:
**6:34**
